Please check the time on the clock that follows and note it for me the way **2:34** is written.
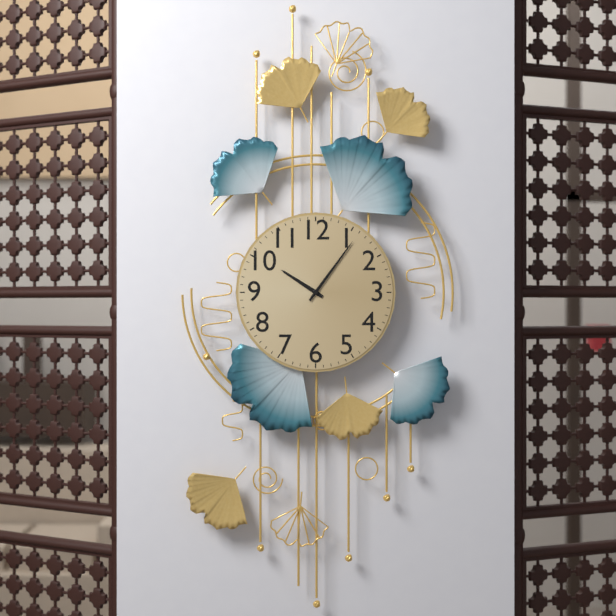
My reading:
**10:06**
